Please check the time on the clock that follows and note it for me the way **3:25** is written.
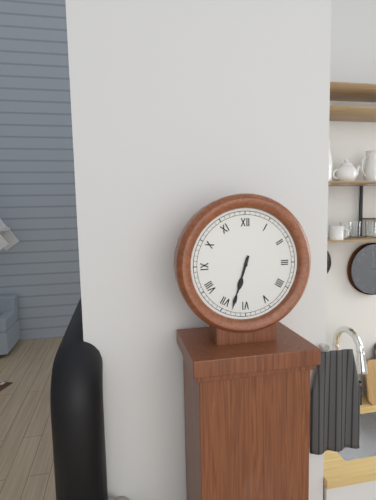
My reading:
**6:33**
